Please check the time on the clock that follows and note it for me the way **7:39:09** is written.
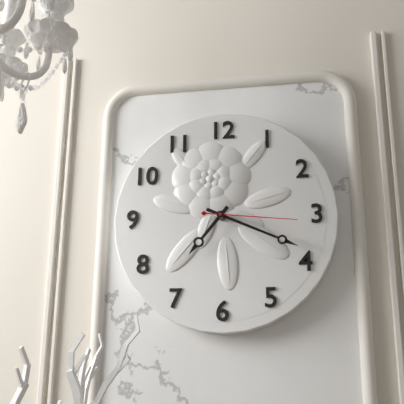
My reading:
**7:19:16**
